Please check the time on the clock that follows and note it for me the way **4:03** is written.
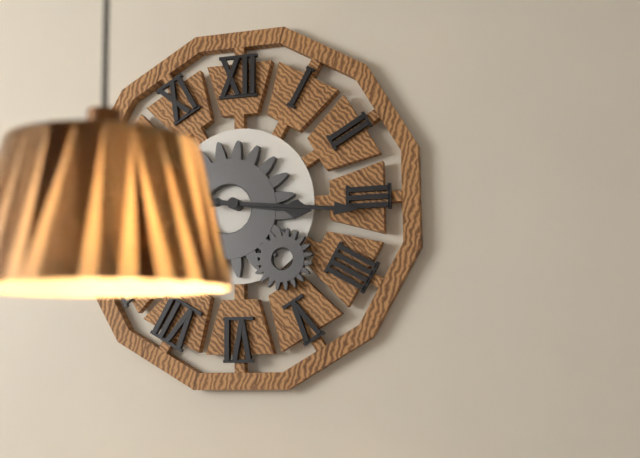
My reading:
**3:16**
